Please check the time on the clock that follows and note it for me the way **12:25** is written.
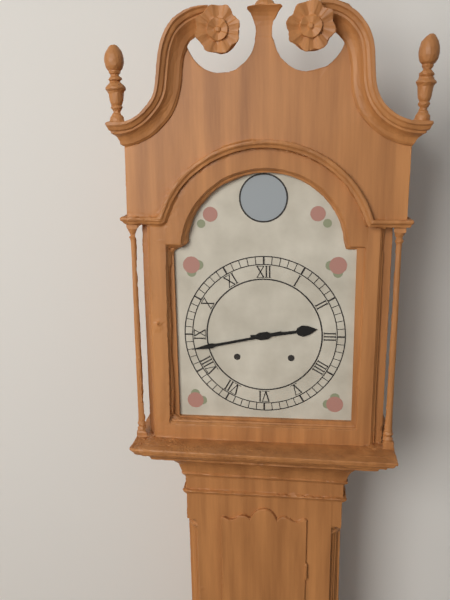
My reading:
**2:43**
